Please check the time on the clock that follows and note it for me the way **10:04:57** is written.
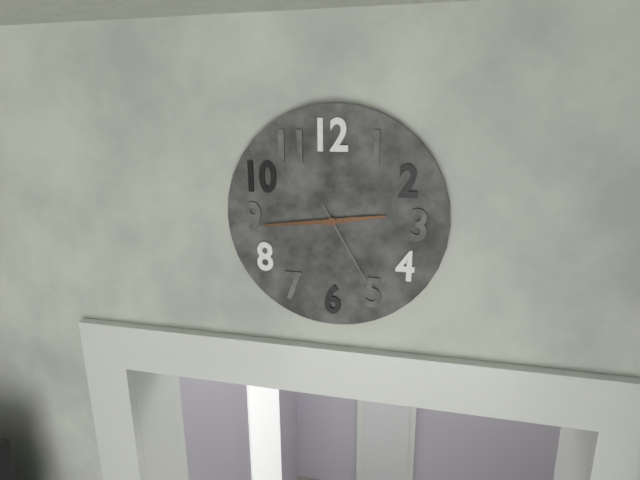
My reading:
**2:44:25**
